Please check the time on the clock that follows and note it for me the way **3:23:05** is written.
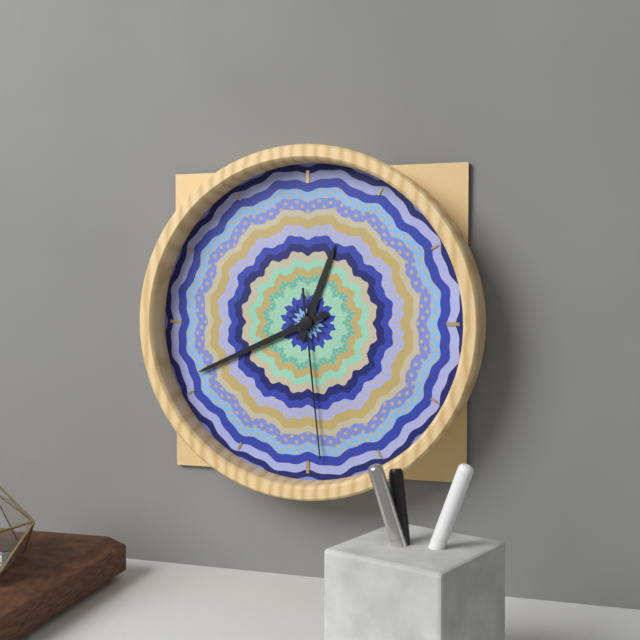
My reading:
**12:41:29**
